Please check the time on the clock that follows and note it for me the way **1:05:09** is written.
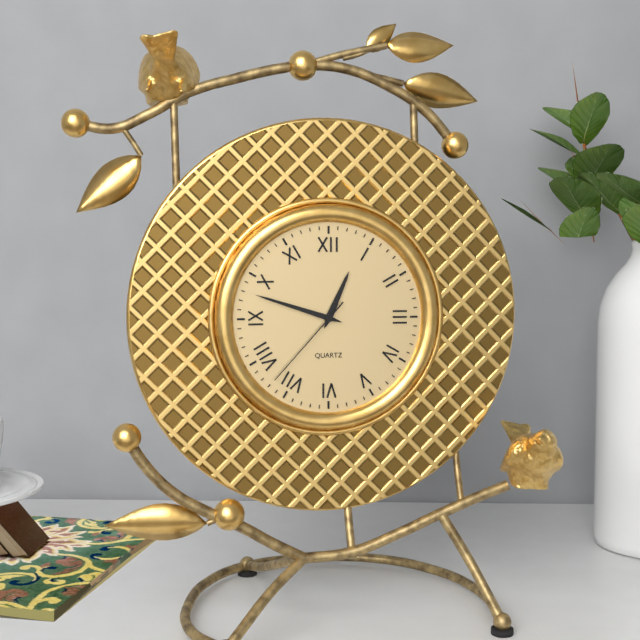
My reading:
**12:48:37**
